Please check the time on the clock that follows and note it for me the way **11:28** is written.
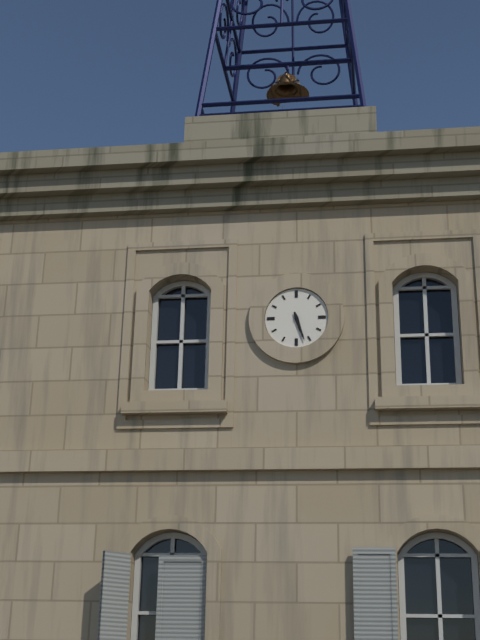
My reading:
**5:27**
